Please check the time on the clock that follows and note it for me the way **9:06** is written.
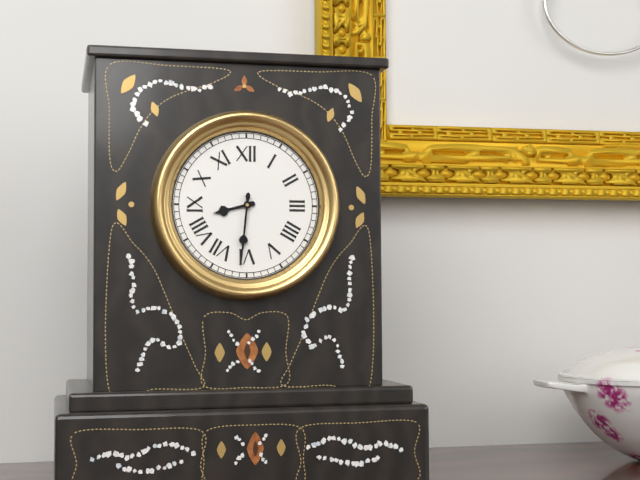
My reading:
**8:31**
